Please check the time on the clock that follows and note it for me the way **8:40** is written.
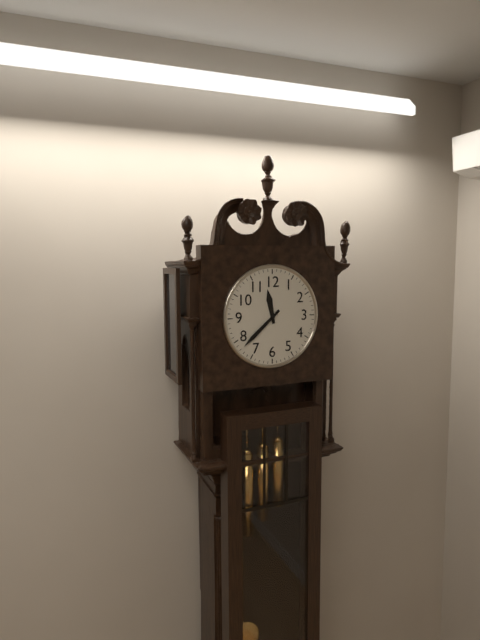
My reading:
**11:38**
